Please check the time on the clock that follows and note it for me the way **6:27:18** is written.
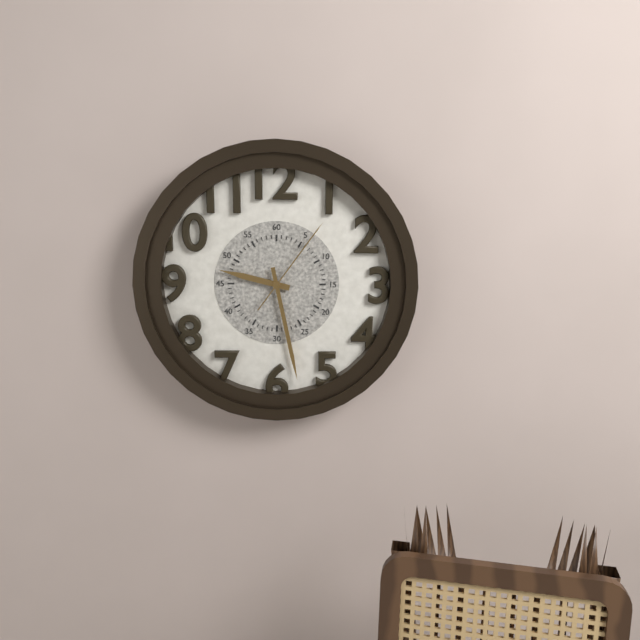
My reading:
**9:28:06**
